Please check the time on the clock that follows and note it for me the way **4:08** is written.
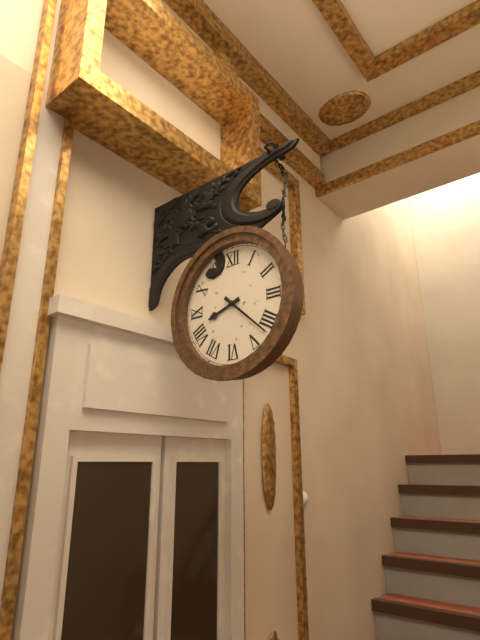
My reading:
**8:22**
